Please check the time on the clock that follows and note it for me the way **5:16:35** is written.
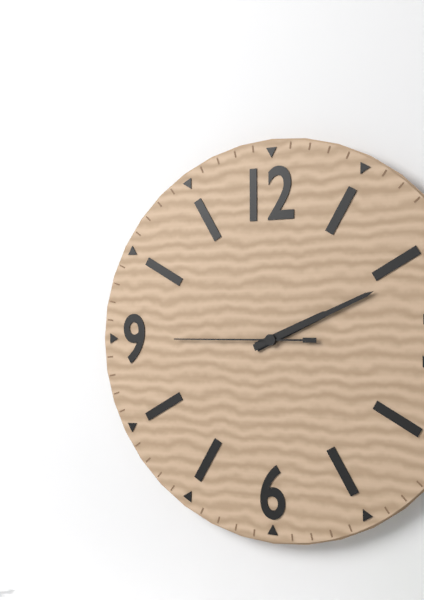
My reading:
**2:11:45**
